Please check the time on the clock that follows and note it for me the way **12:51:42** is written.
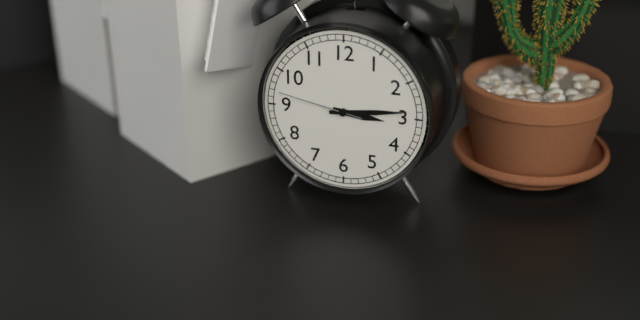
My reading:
**3:14:47**
